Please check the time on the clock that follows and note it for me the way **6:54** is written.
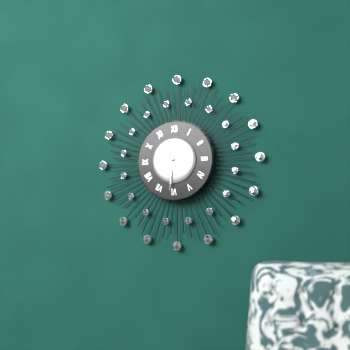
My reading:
**1:31**
